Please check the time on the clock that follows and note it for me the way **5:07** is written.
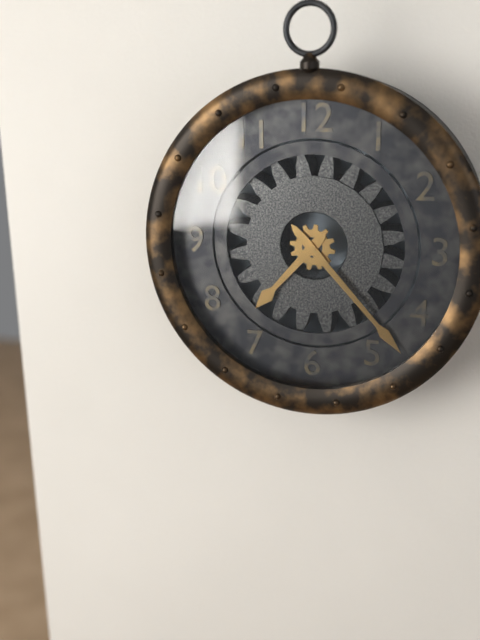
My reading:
**7:23**
